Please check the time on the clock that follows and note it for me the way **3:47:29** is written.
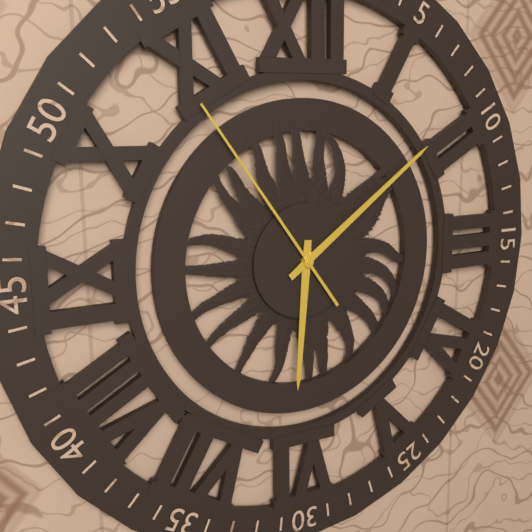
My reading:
**6:09:54**
